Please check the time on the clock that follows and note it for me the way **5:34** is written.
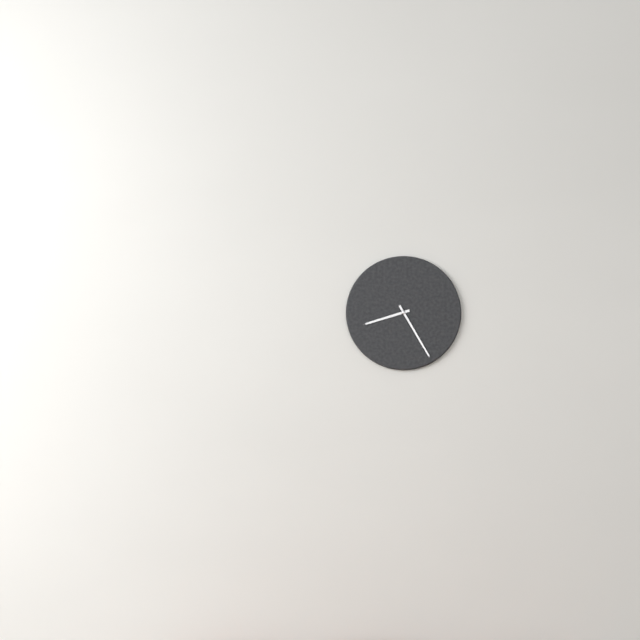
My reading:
**8:25**
